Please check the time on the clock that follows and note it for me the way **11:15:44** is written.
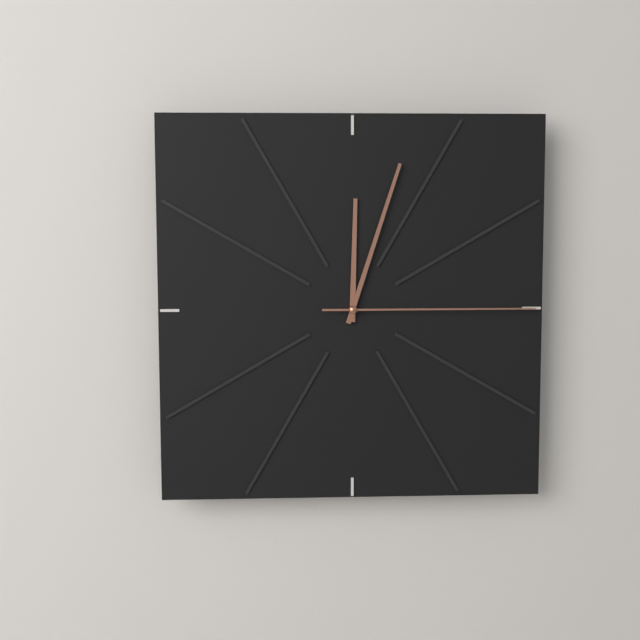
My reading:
**12:03:15**
